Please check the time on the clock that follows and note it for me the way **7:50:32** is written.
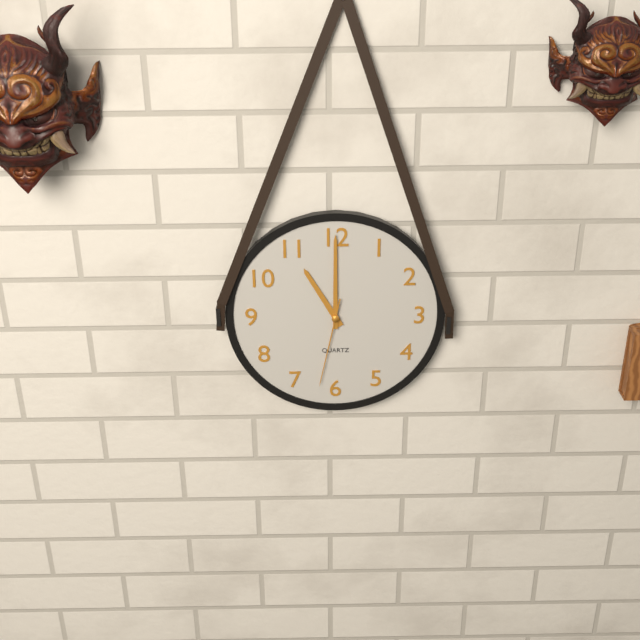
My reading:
**11:00:32**
